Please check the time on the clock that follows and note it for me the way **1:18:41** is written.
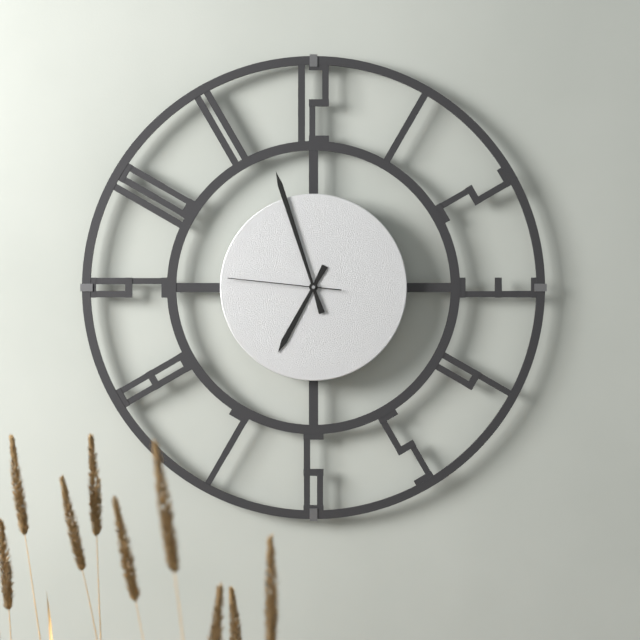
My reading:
**6:57:46**
